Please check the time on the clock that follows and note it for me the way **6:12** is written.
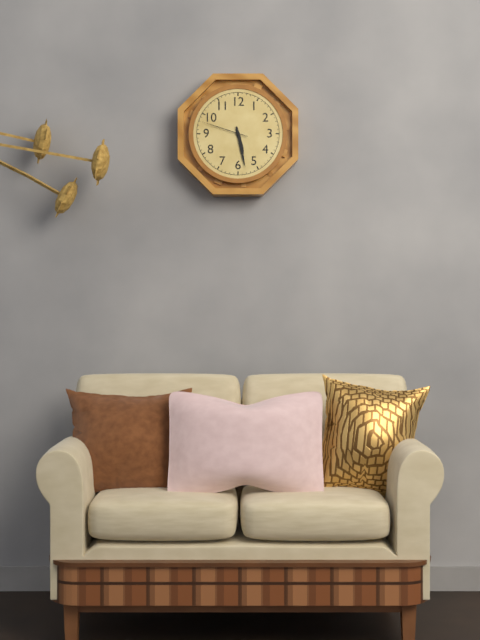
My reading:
**5:28**
